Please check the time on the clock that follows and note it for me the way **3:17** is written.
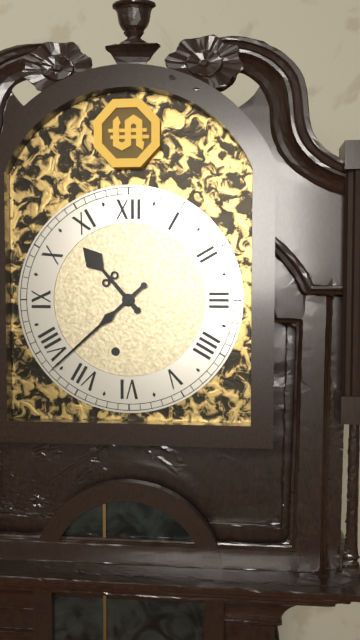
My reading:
**10:38**
